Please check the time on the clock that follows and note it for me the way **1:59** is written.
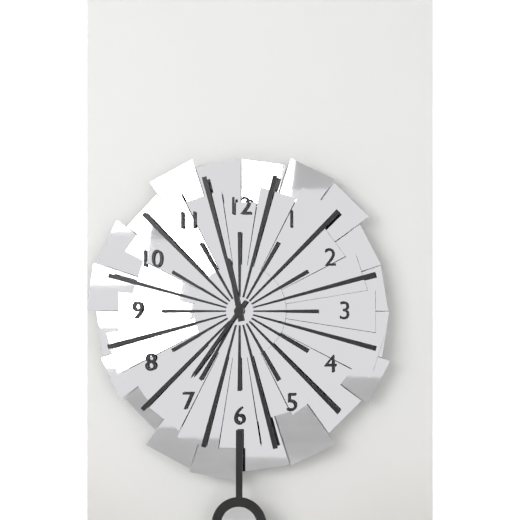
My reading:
**11:36**
